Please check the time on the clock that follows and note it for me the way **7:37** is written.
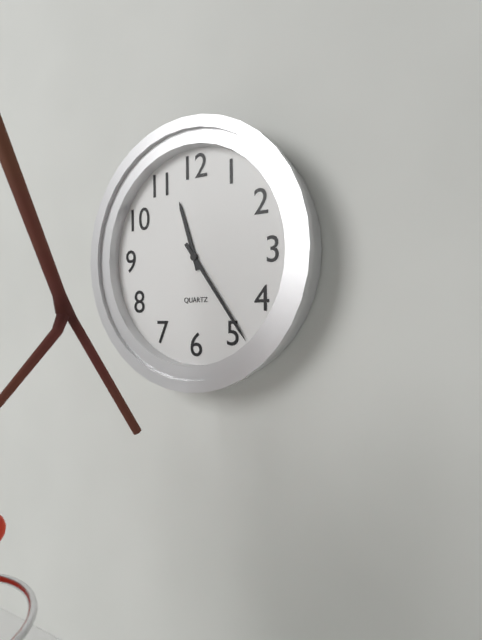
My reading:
**11:24**
